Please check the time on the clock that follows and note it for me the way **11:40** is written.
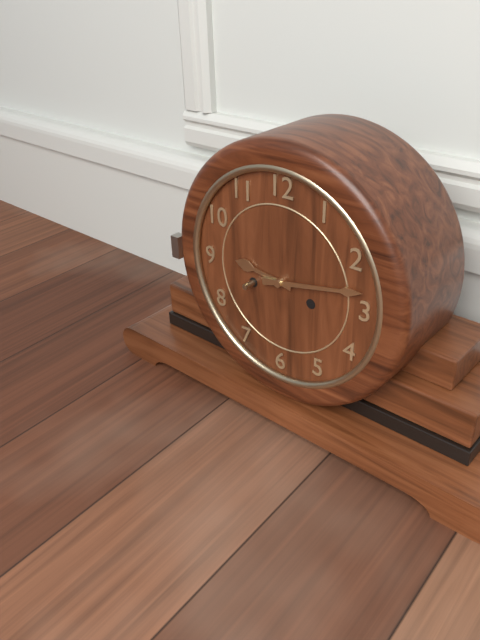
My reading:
**9:13**
